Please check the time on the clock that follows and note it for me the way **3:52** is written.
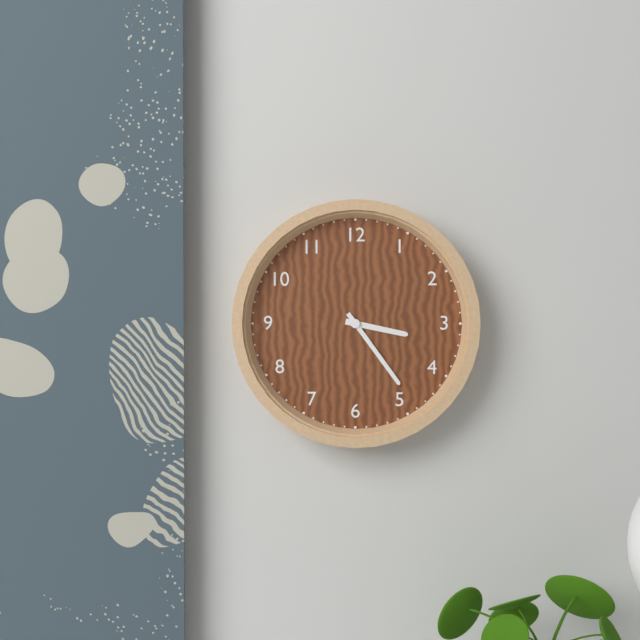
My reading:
**3:24**
